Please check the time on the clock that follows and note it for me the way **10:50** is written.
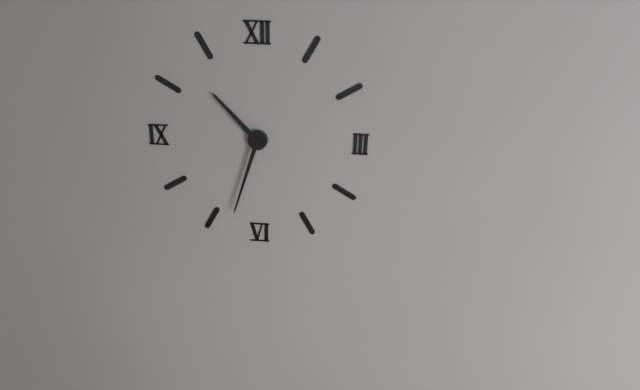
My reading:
**10:33**
